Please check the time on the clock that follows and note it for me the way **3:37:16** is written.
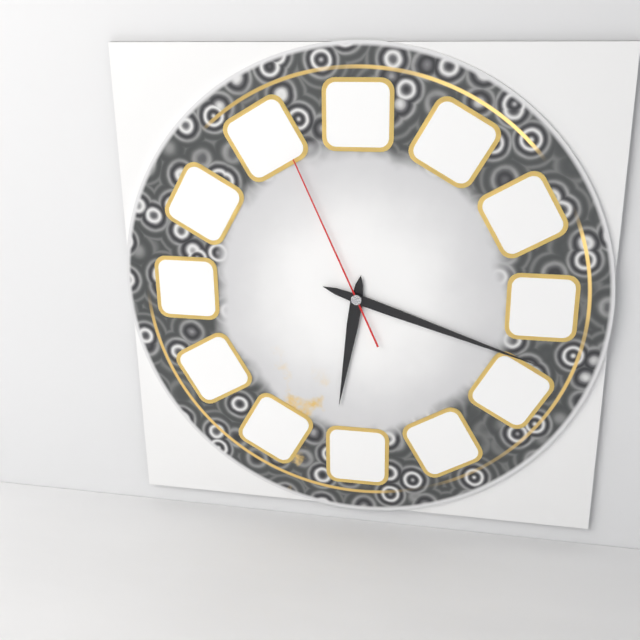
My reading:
**6:18:56**
